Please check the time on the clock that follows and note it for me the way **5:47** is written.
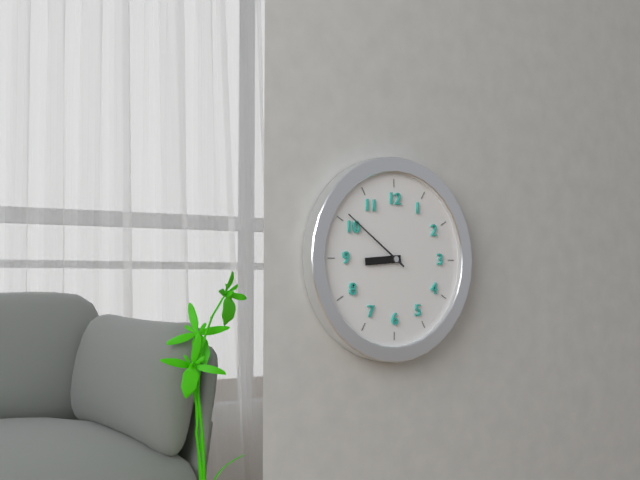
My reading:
**8:51**
